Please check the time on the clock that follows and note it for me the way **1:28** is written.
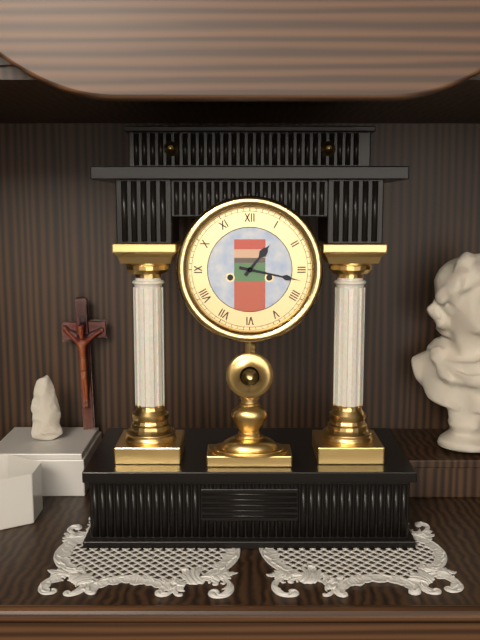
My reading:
**1:17**
